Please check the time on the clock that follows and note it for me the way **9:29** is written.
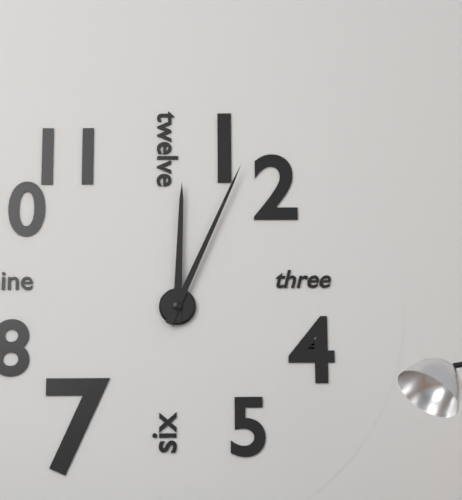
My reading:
**12:04**
